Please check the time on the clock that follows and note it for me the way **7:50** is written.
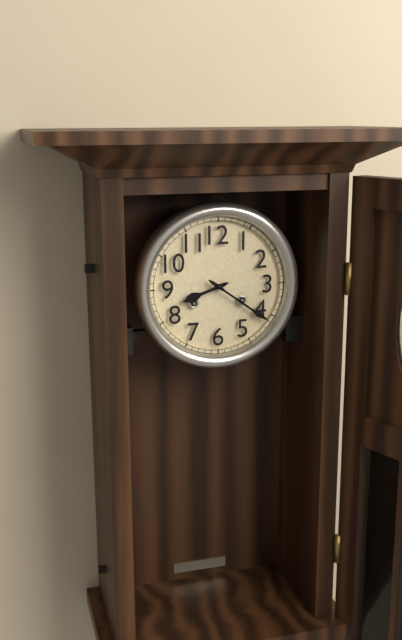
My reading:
**8:21**
